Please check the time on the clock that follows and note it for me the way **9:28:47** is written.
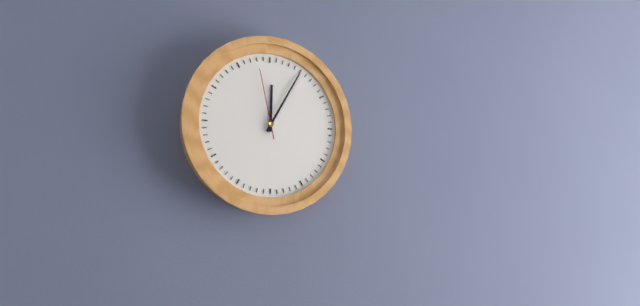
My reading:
**12:05:58**
